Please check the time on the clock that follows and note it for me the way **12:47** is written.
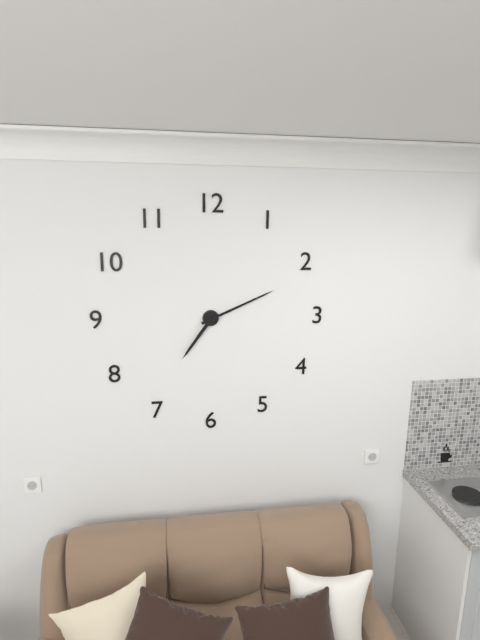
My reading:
**7:11**
